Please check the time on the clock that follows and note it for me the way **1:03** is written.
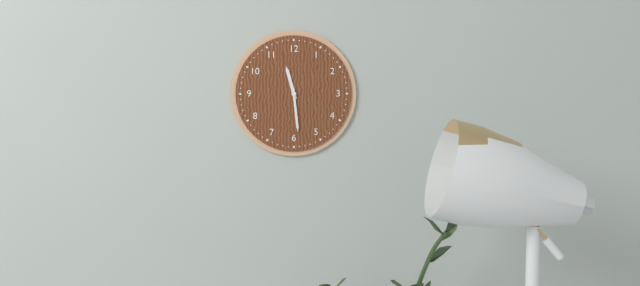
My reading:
**11:29**
